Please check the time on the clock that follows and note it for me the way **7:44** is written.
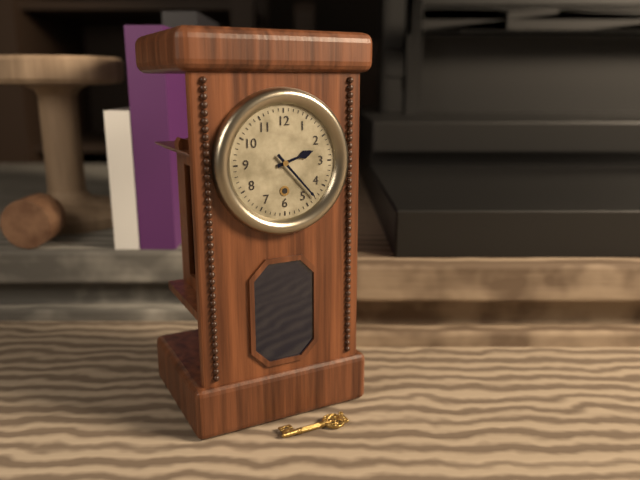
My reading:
**2:23**
